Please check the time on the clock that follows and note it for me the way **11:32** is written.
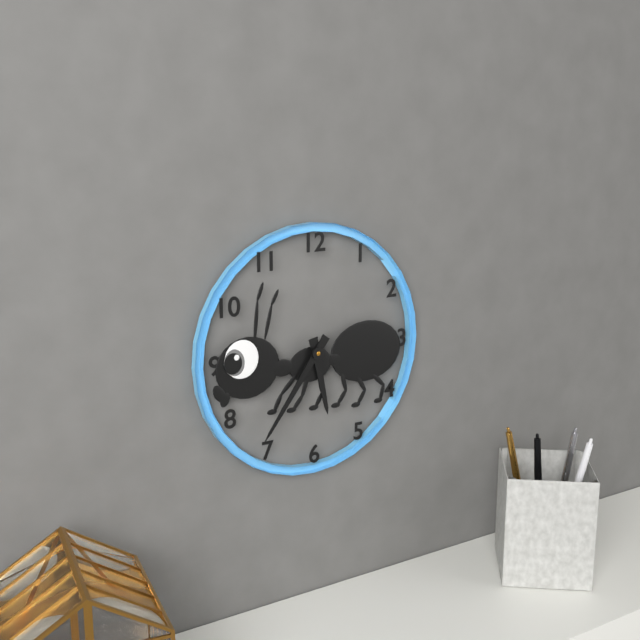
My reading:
**5:36**
